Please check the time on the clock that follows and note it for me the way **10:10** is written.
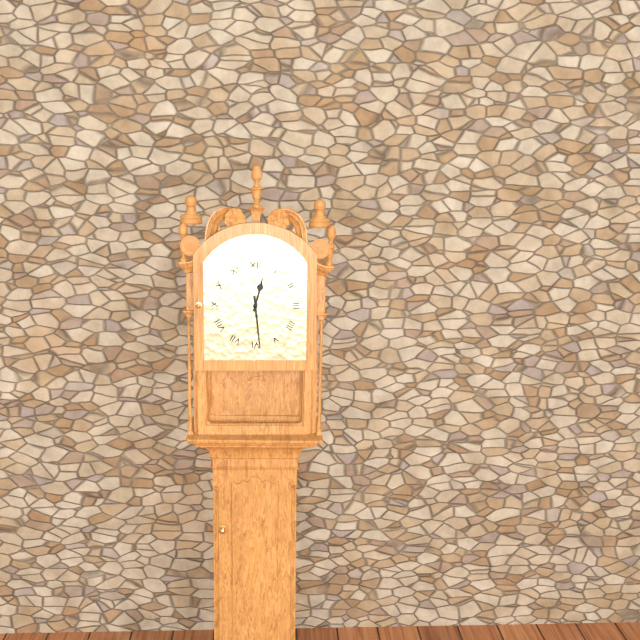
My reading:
**12:29**
